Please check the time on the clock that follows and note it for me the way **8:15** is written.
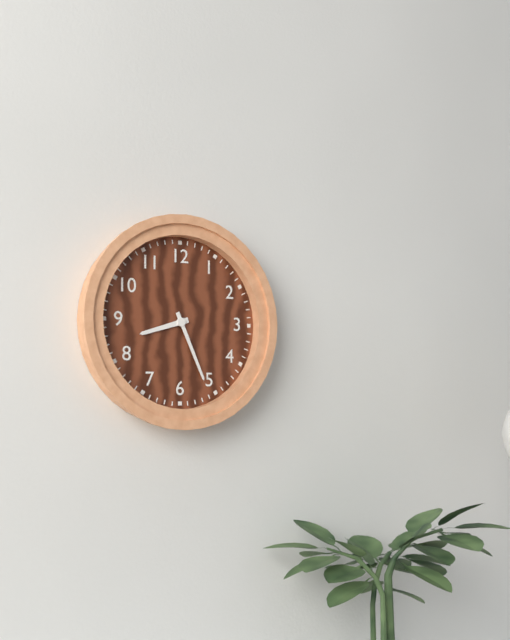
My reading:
**8:26**
